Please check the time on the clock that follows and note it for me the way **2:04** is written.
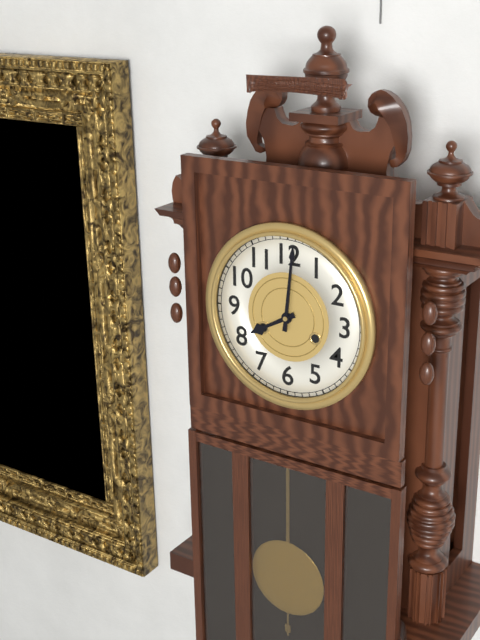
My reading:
**8:01**
